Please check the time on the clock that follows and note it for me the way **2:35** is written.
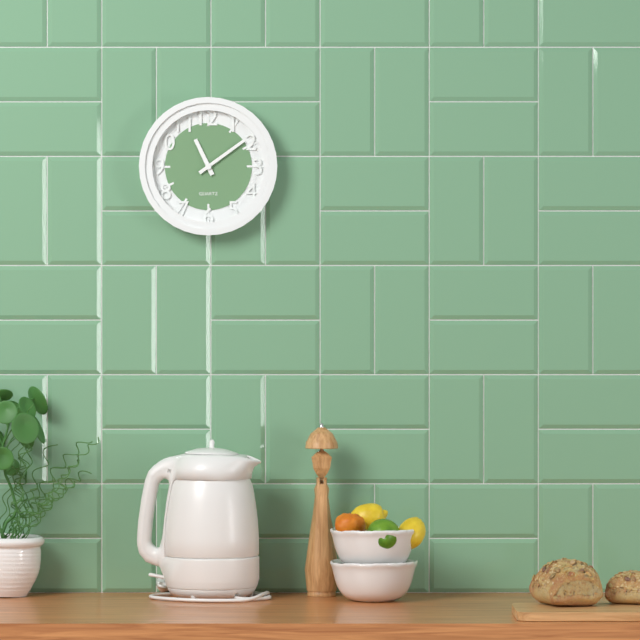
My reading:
**11:09**
